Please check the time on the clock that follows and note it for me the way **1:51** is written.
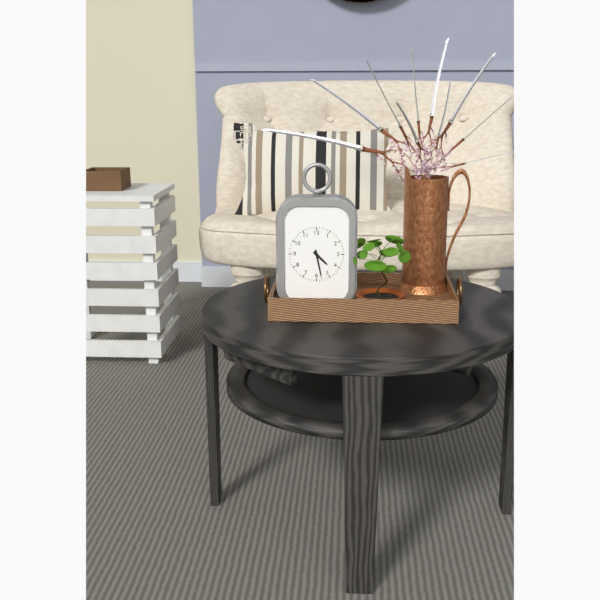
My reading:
**4:28**
